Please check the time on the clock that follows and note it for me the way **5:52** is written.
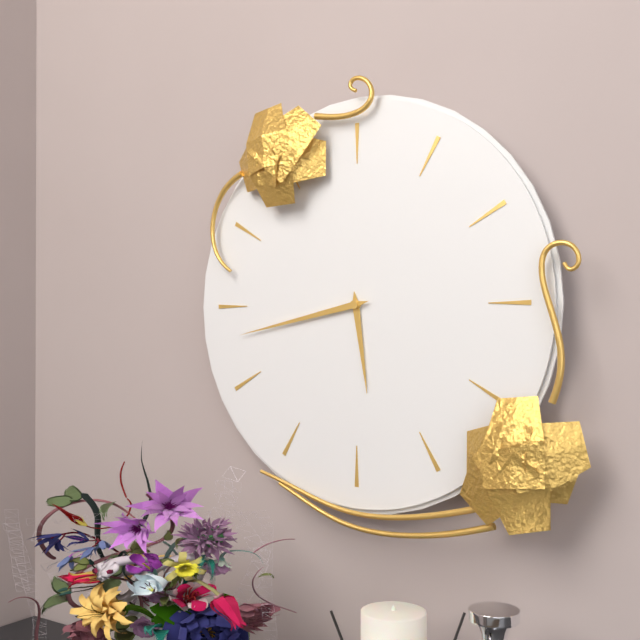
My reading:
**5:43**
